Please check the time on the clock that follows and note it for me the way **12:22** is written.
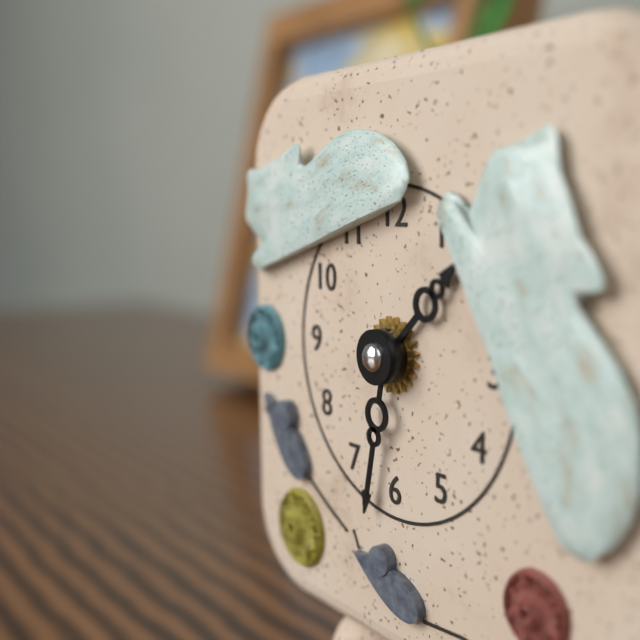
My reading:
**1:32**
